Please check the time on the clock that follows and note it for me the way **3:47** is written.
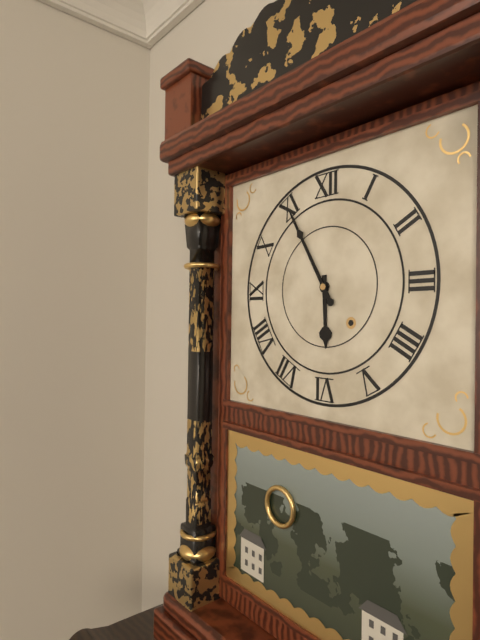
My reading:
**5:55**
